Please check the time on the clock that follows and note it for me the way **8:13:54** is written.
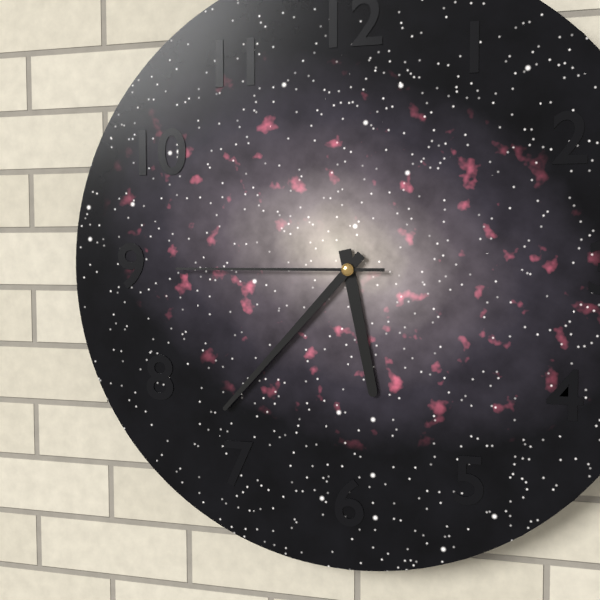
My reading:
**5:37:45**
